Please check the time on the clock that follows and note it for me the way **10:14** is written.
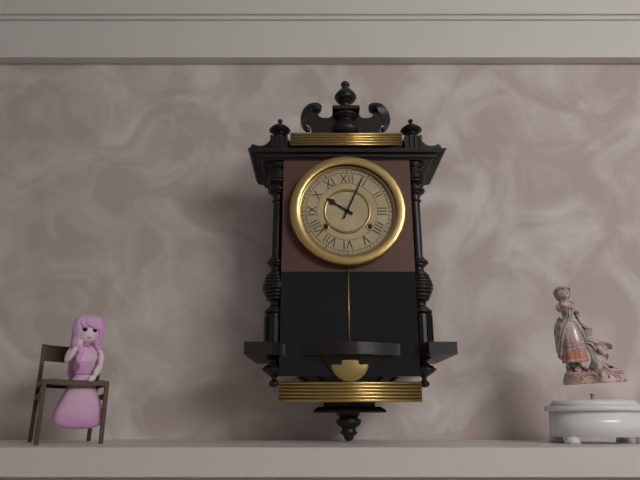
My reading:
**10:04**
